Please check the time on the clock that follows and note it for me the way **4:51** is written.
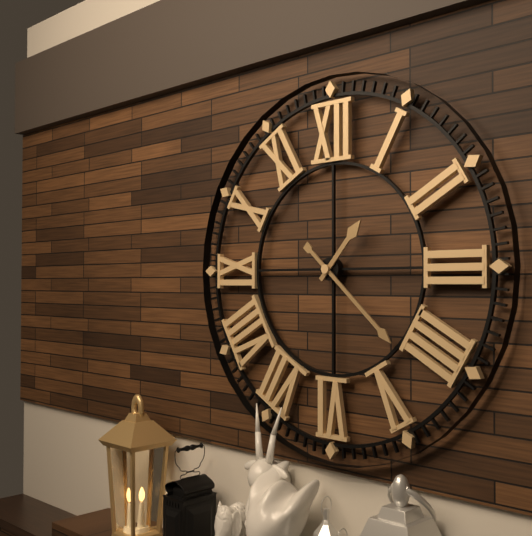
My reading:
**1:22**
